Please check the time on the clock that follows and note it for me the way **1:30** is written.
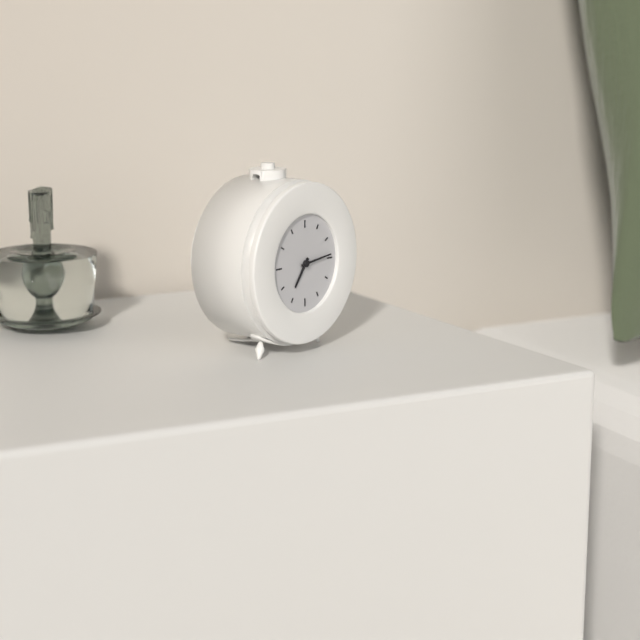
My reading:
**7:14**
